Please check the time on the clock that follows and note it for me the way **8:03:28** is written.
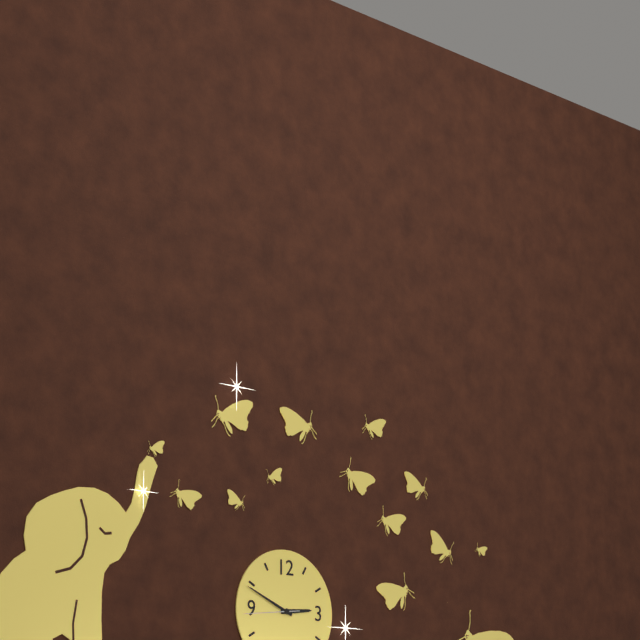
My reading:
**2:49:44**
